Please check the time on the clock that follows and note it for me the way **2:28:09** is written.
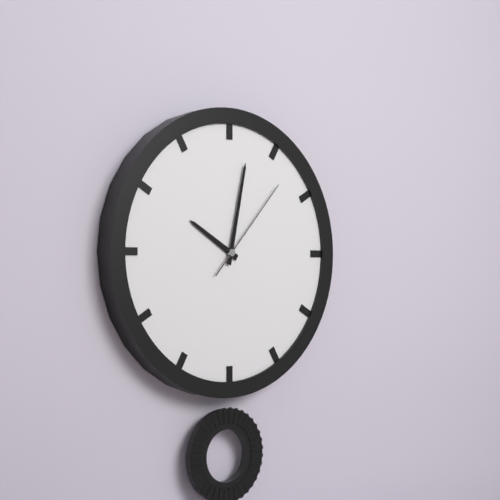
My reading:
**10:02:07**
